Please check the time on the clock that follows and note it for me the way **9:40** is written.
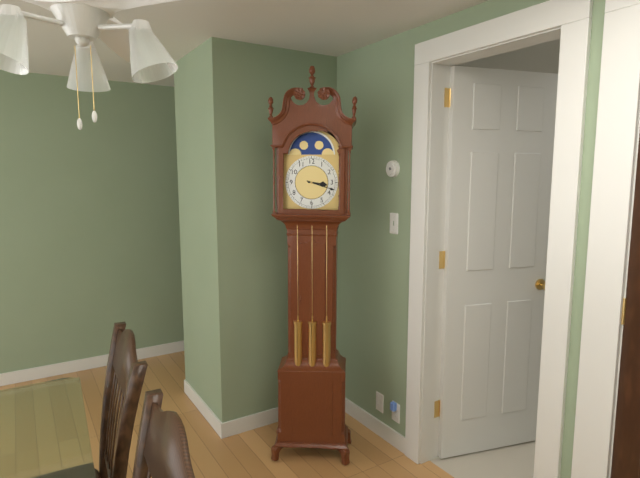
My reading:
**3:18**
